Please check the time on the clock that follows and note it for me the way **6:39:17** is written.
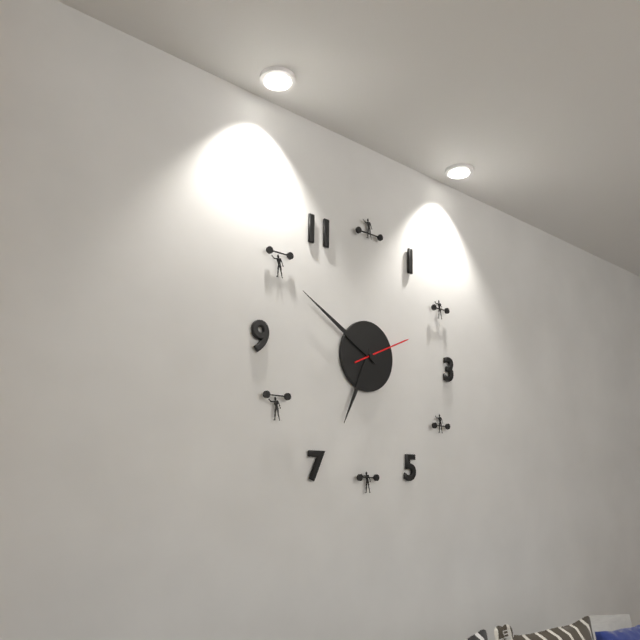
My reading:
**6:50:11**
